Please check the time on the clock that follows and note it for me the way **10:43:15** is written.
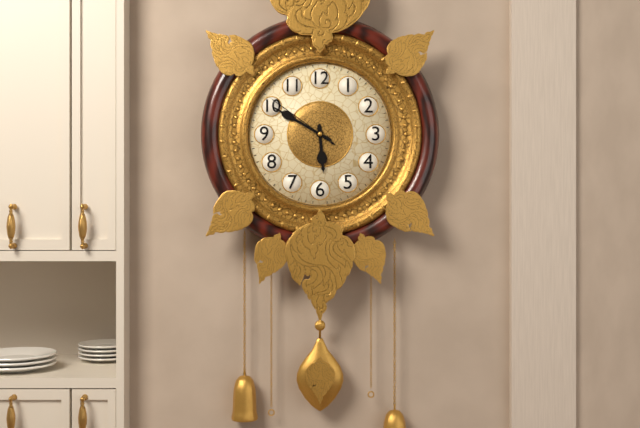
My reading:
**5:50:51**
